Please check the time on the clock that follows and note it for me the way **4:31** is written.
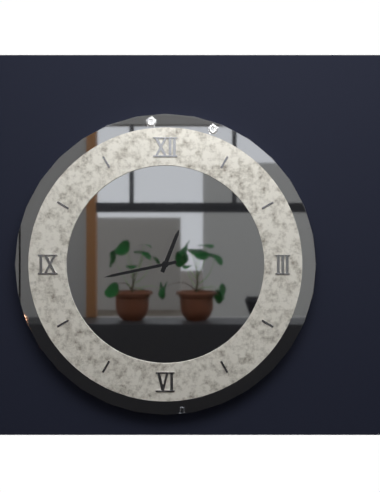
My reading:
**12:43**
